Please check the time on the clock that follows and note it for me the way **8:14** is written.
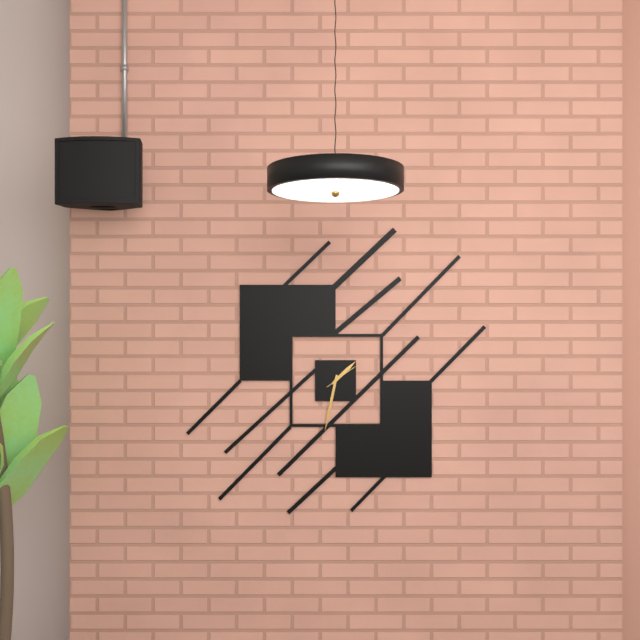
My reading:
**1:32**
